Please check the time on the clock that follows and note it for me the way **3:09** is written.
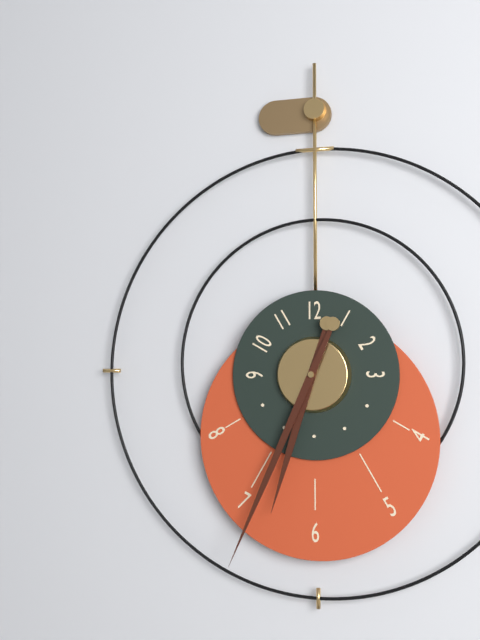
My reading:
**6:34**
